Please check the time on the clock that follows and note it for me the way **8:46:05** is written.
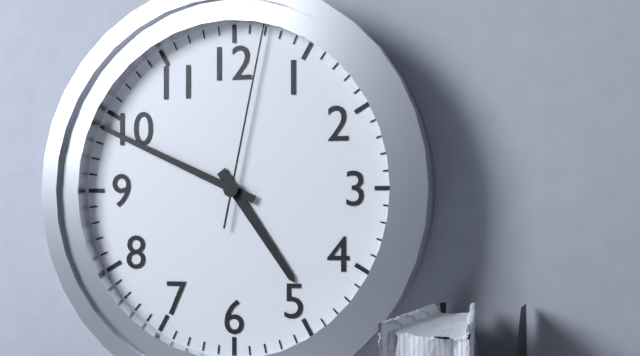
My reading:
**4:49:02**
